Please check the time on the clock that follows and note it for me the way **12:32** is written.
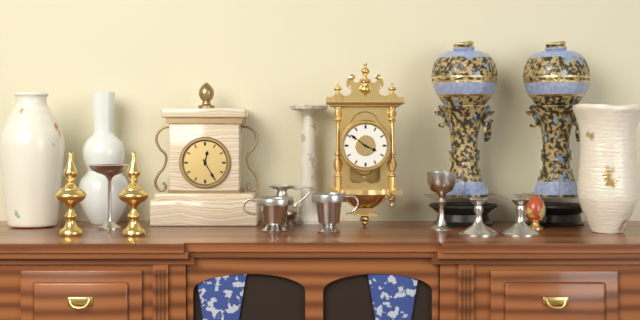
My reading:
**3:51**
